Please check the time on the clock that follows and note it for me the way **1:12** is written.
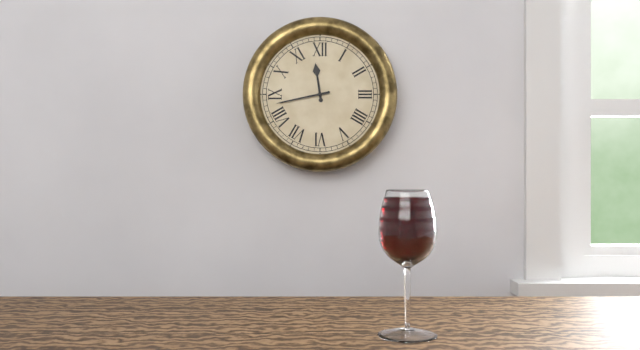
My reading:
**11:43**
